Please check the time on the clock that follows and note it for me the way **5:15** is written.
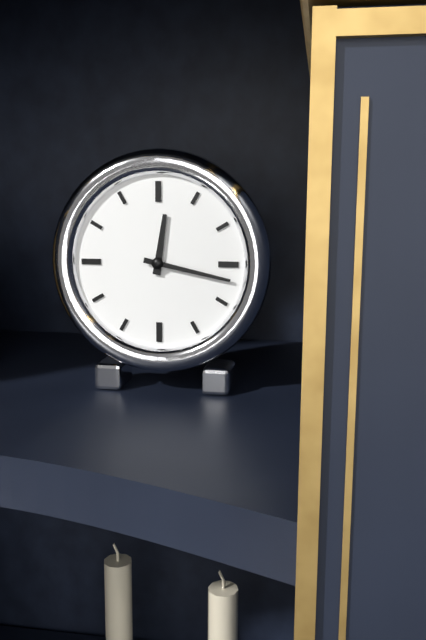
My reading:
**12:17**
